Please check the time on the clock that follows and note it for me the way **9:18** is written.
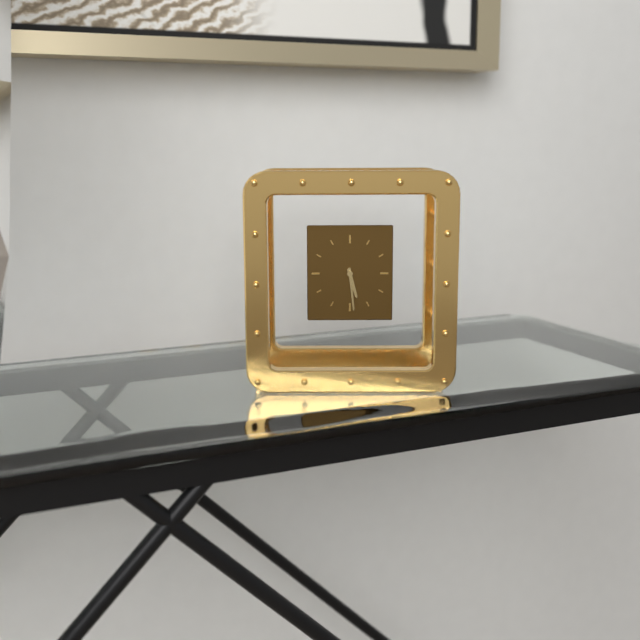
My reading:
**5:29**
